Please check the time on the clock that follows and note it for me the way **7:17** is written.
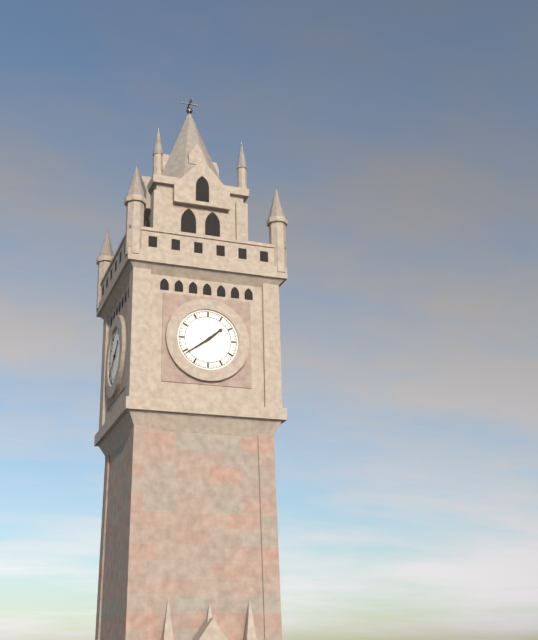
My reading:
**1:39**
